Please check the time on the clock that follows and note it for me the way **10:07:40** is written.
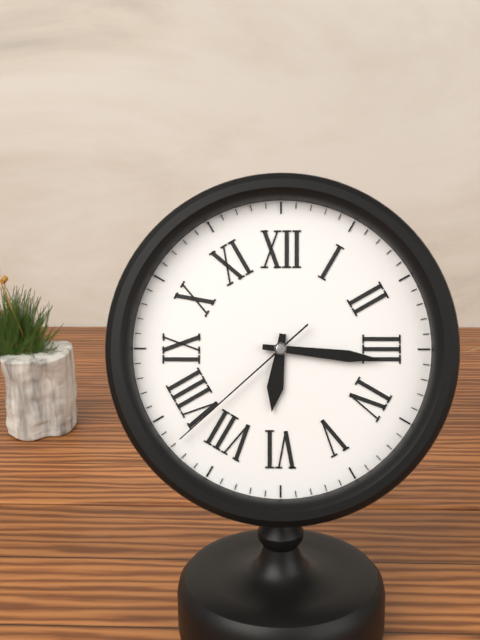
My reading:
**6:16:38**
